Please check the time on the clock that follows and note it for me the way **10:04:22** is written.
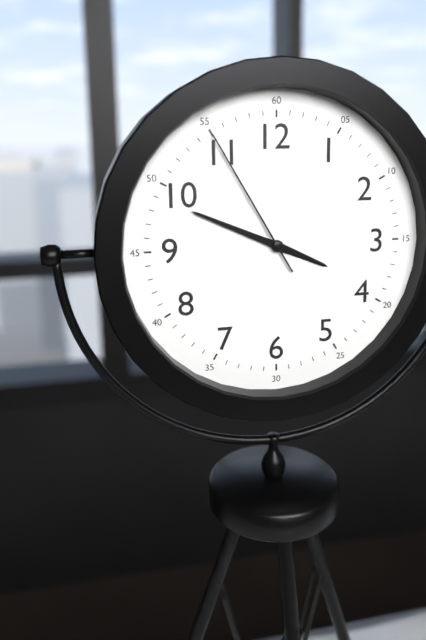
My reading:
**3:49:55**
